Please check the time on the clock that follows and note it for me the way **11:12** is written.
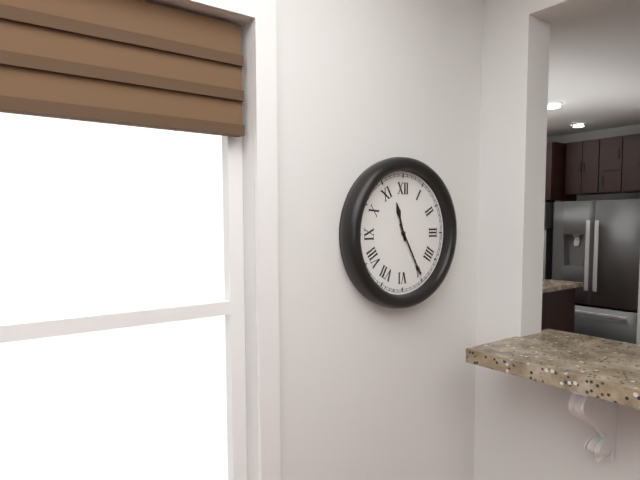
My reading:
**11:25**
